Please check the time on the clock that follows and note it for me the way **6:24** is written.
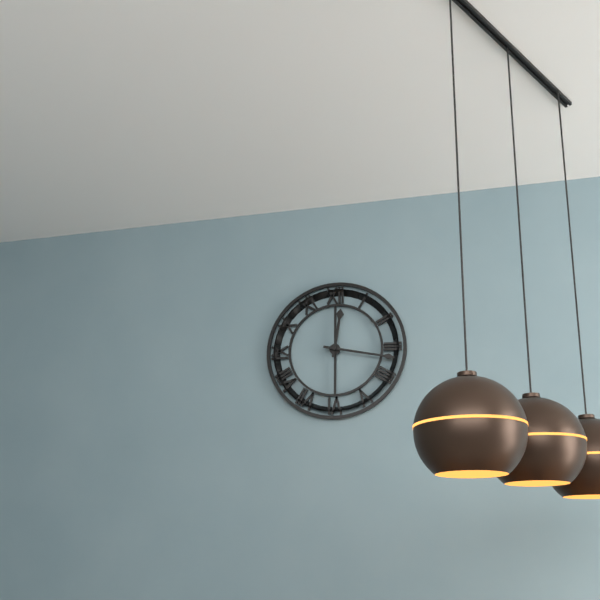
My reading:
**12:17**
